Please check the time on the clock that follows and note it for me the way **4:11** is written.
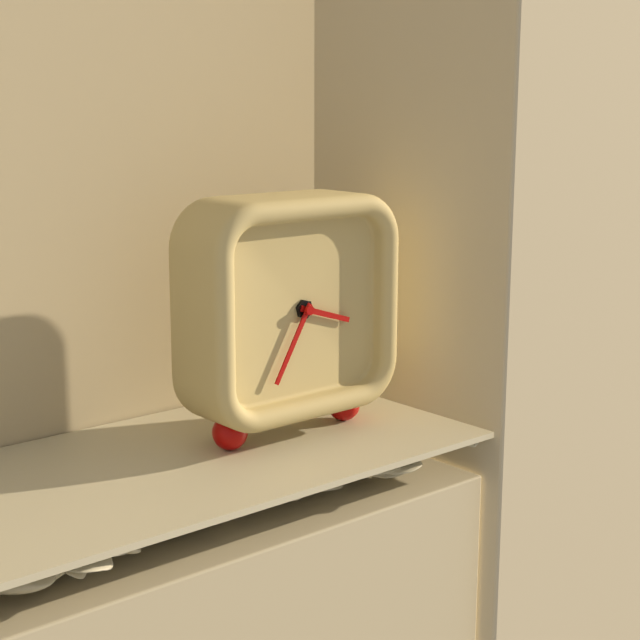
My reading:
**3:35**
